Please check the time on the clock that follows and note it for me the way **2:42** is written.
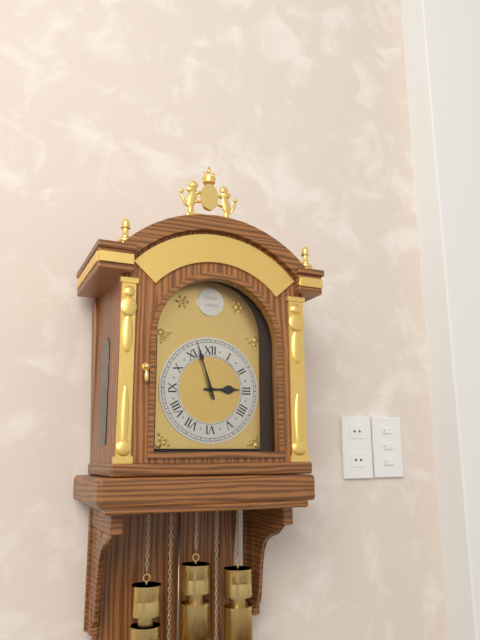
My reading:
**2:57**
